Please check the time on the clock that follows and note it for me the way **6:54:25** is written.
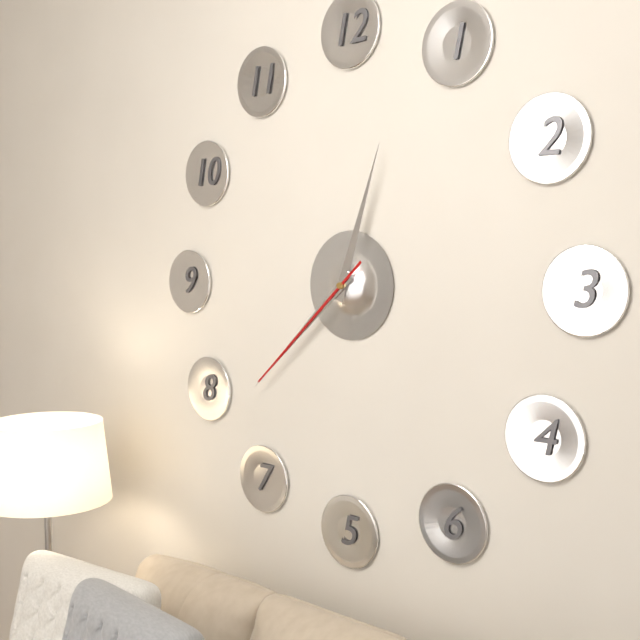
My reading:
**12:38:38**
